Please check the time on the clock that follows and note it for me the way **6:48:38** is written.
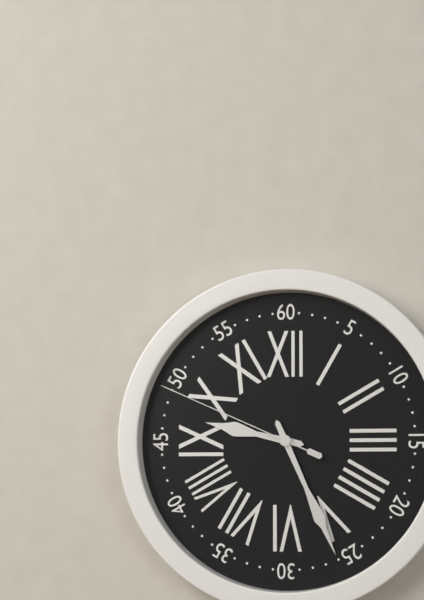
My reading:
**9:26:49**
